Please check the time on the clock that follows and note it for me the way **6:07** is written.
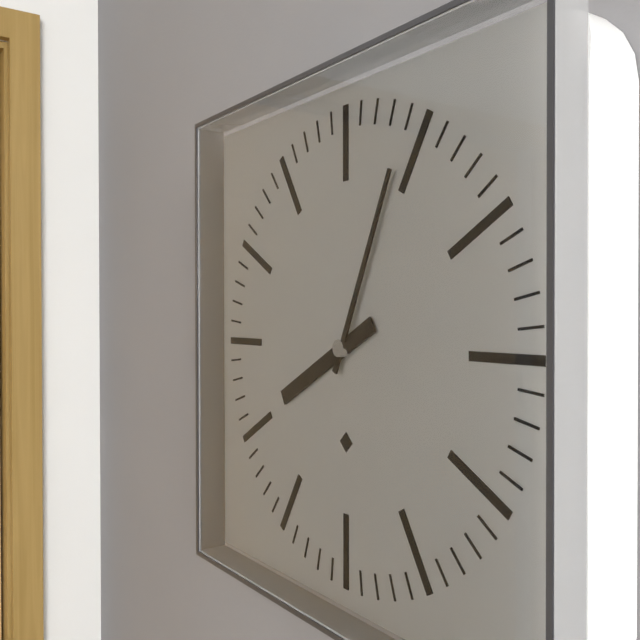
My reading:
**8:04**
